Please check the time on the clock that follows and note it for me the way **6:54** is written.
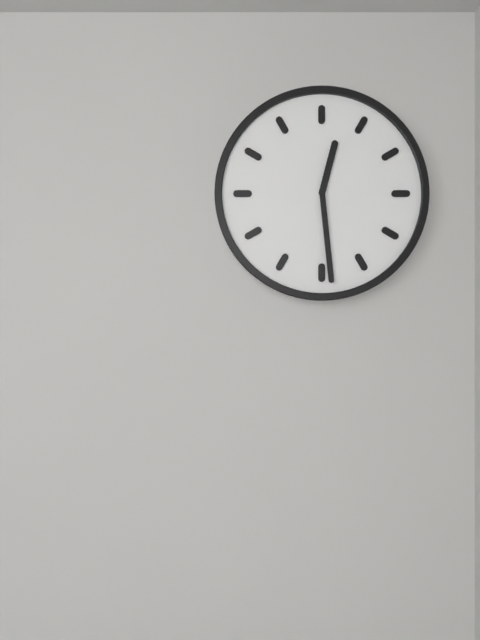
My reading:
**12:29**
